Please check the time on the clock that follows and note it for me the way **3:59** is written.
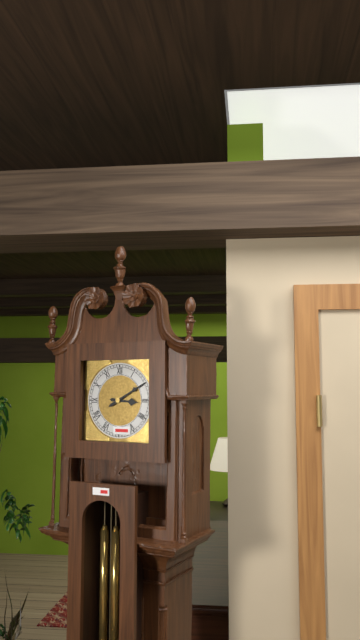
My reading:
**3:10**
